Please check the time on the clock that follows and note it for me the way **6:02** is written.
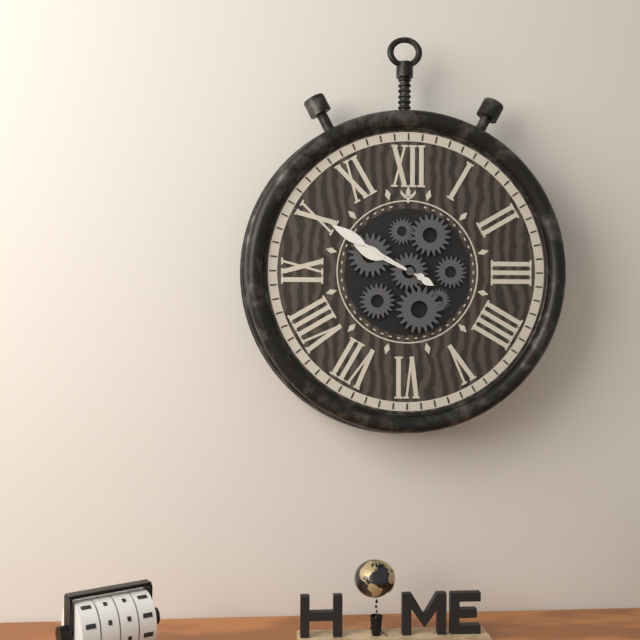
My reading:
**9:50**
